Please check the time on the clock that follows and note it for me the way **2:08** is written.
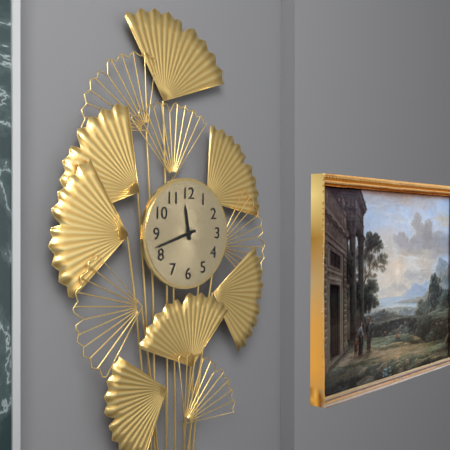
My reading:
**11:42**
